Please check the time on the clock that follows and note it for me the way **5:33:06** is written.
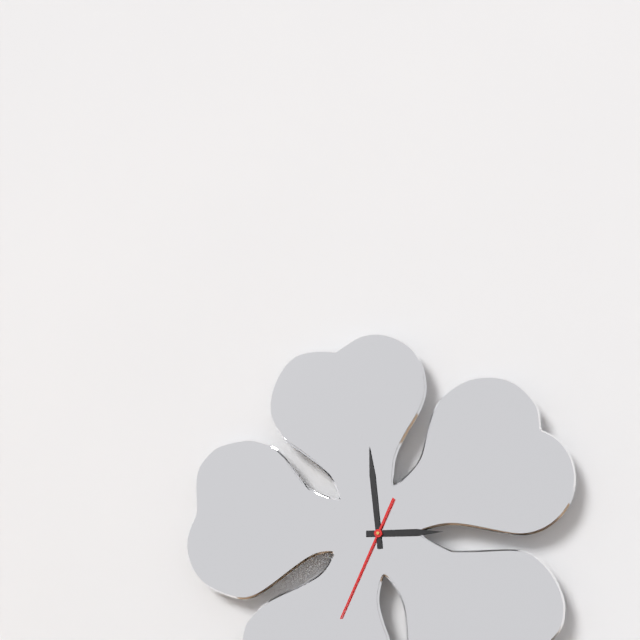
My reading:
**2:59:34**
